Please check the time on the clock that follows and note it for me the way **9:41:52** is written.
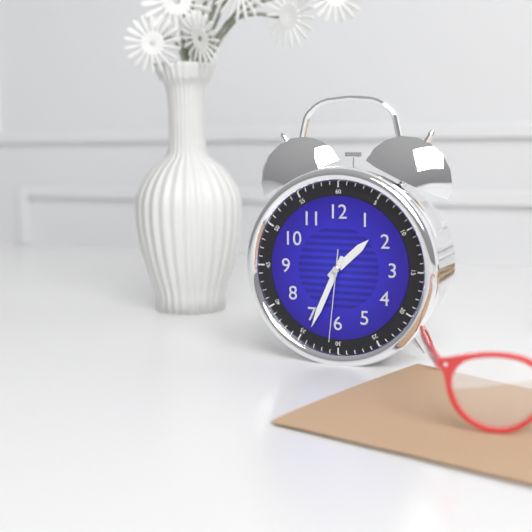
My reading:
**1:34:31**
